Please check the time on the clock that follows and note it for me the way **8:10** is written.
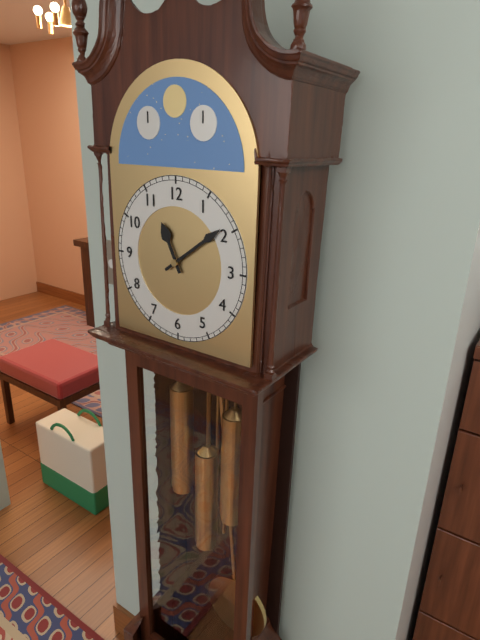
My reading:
**11:09**
